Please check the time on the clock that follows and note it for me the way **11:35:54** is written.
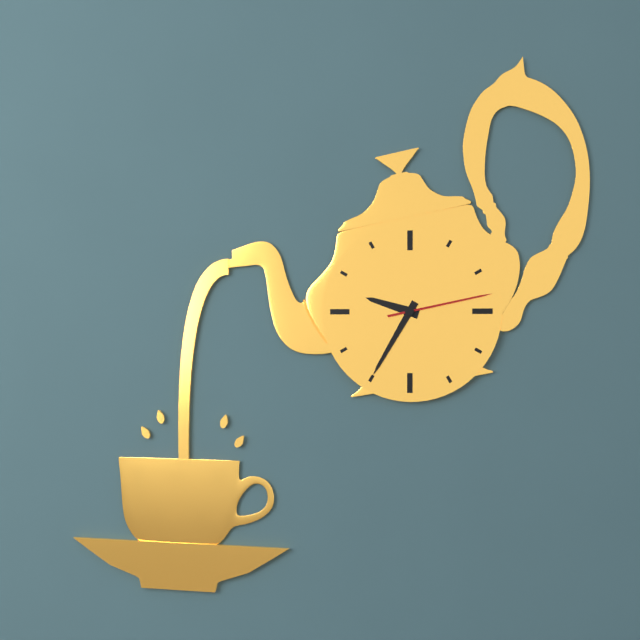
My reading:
**9:35:13**
